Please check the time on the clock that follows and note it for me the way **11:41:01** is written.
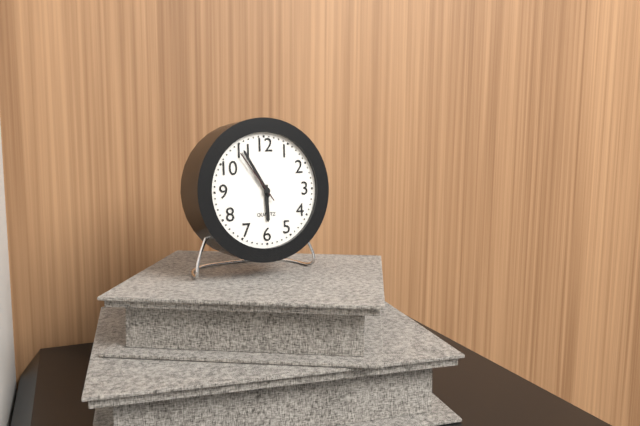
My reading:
**5:55:54**
